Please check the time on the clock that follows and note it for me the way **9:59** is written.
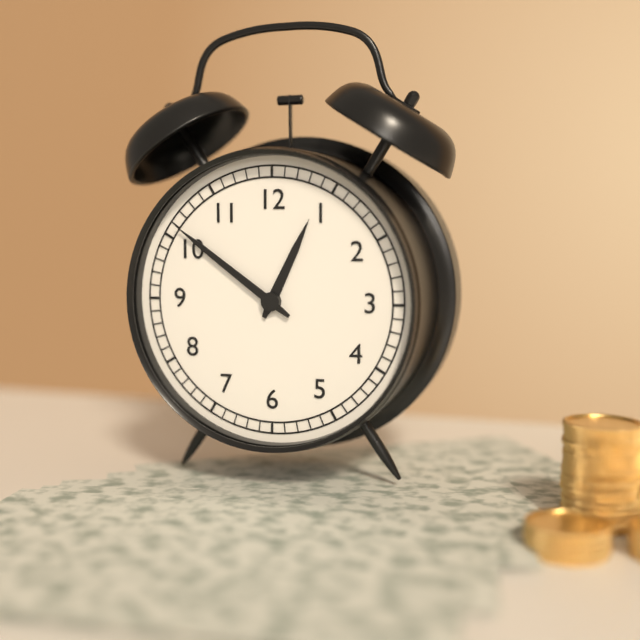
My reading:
**12:51**
